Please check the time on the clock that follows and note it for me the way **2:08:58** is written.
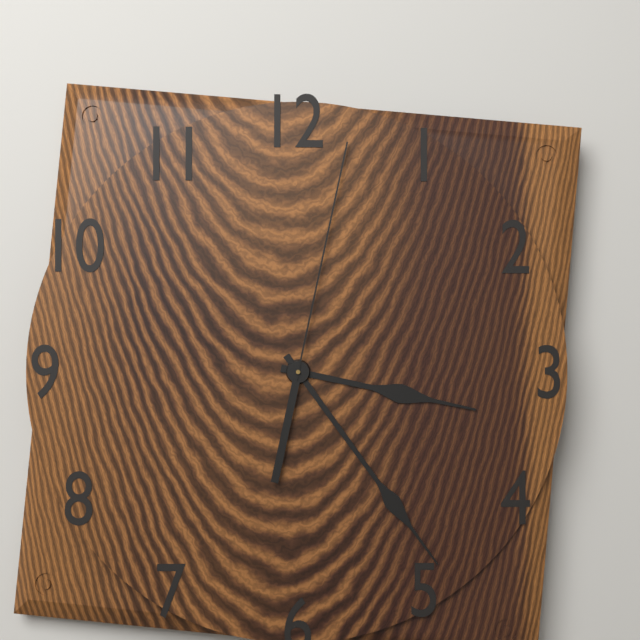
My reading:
**3:24:02**
